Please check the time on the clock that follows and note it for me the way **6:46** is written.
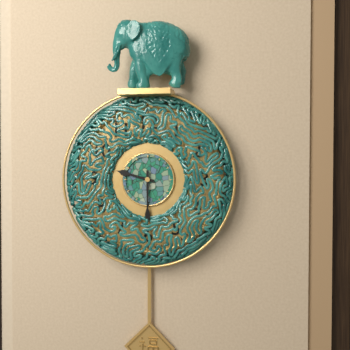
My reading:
**9:30**
